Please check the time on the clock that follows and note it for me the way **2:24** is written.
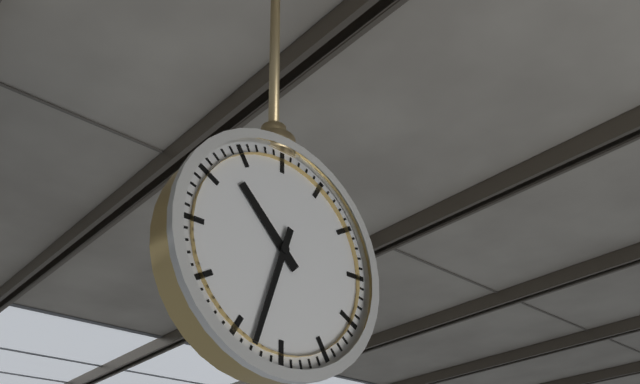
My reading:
**10:33**
